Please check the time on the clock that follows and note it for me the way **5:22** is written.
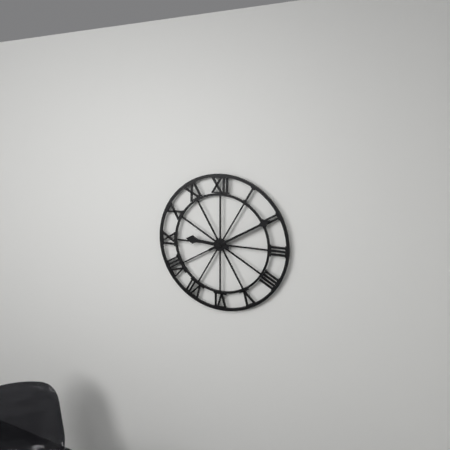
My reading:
**9:10**
